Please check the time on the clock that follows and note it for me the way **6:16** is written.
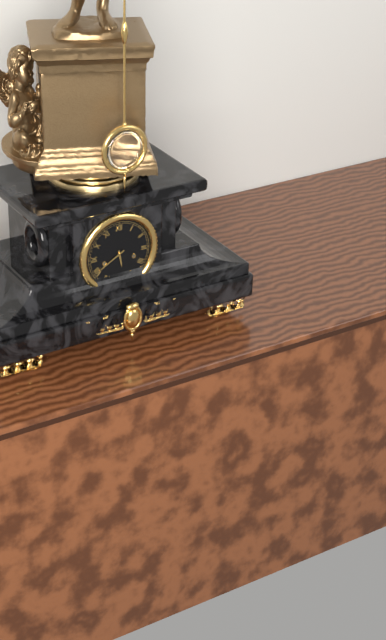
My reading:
**5:40**
